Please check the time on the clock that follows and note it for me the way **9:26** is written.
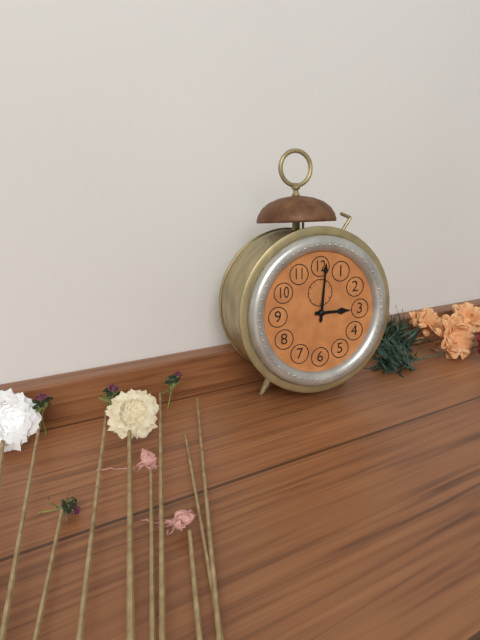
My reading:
**3:01**
